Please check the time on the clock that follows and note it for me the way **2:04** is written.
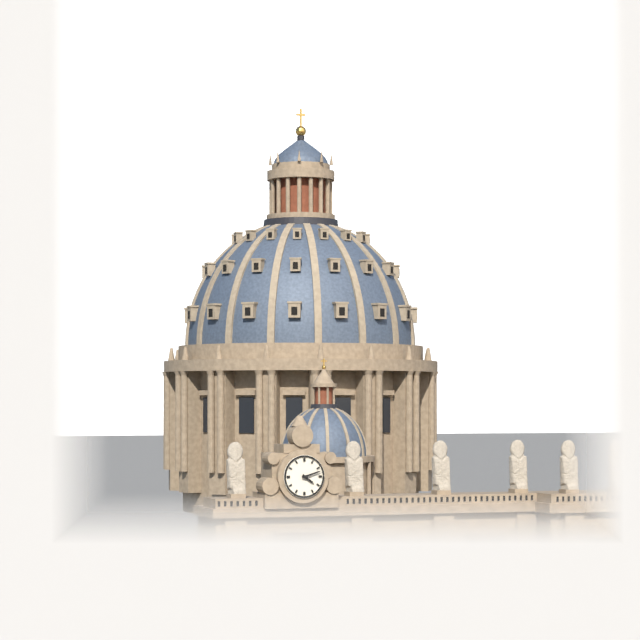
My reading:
**4:12**
